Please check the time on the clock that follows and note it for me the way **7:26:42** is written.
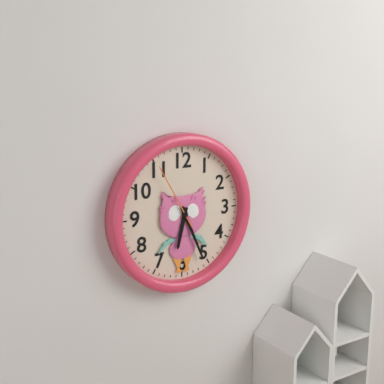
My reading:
**6:26:55**
